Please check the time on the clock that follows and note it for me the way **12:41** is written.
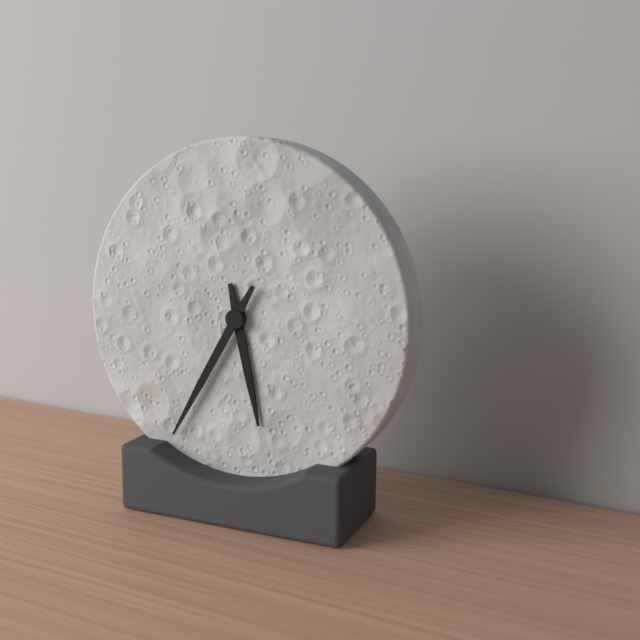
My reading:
**5:35**
